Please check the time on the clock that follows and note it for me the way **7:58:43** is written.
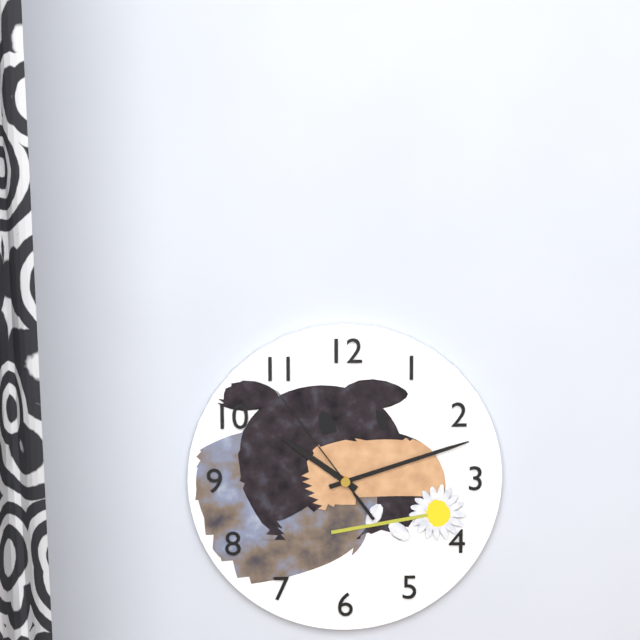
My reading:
**10:12:54**
